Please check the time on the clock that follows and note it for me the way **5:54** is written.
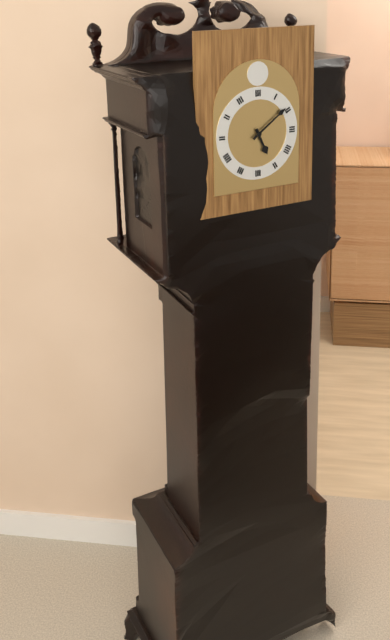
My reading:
**5:09**
